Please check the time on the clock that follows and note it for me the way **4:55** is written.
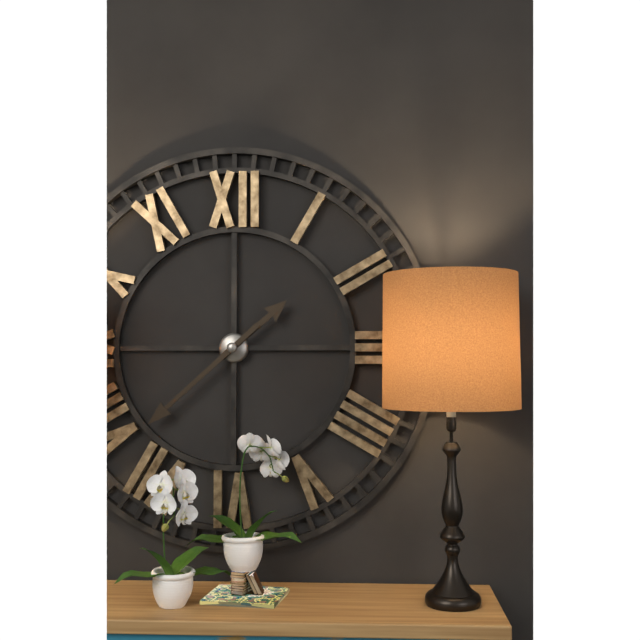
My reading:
**1:38**
